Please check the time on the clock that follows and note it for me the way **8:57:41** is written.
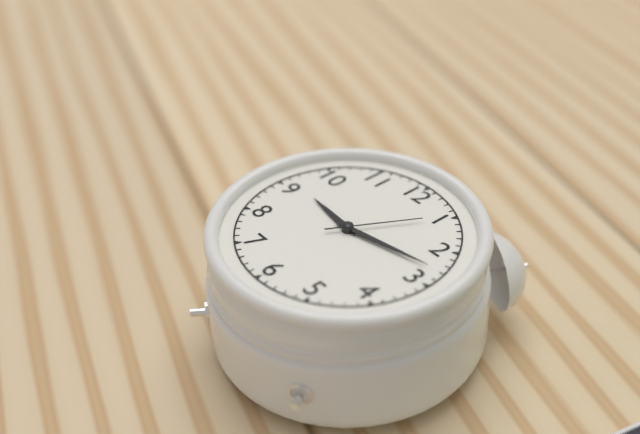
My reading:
**9:13:05**
